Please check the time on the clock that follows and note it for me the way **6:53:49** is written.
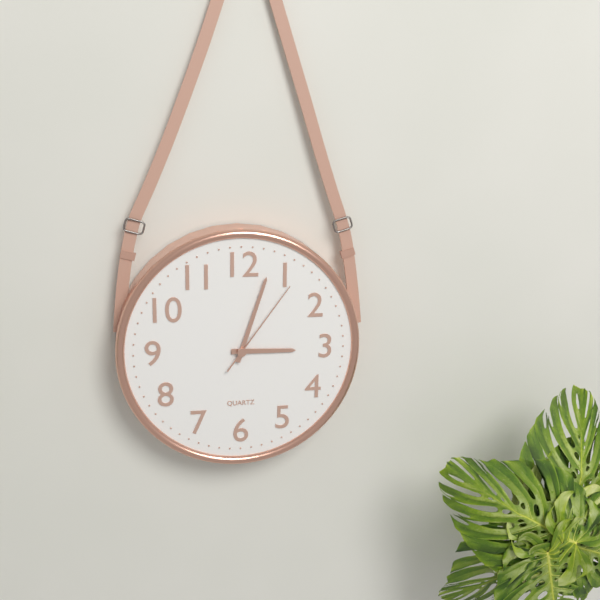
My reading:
**3:03:06**
